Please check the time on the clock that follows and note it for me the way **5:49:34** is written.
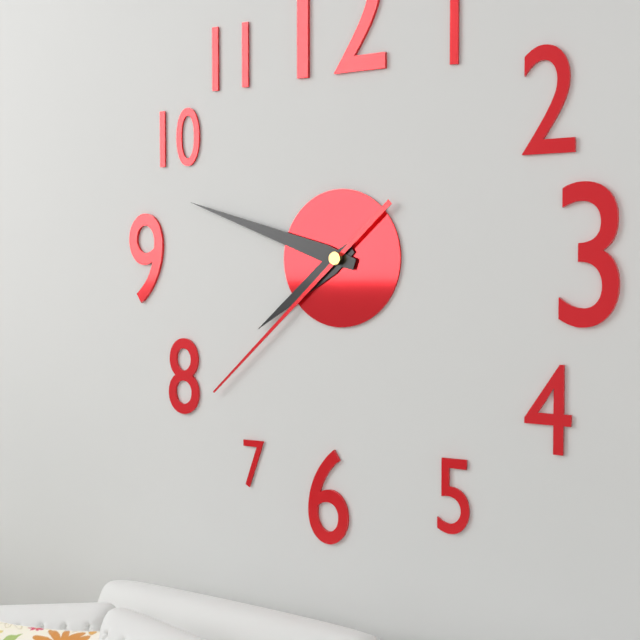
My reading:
**7:48:38**
